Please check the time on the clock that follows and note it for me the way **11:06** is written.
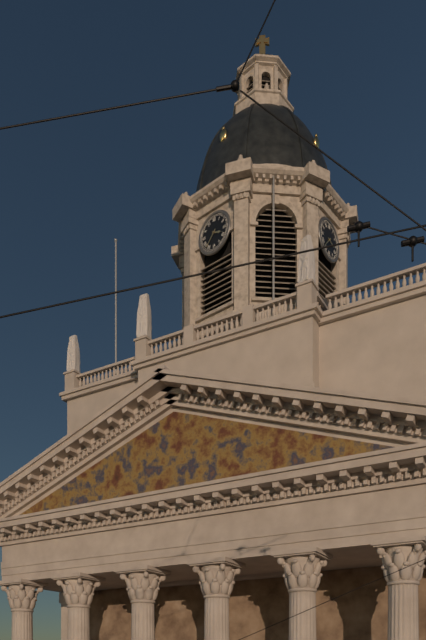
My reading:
**3:37**
